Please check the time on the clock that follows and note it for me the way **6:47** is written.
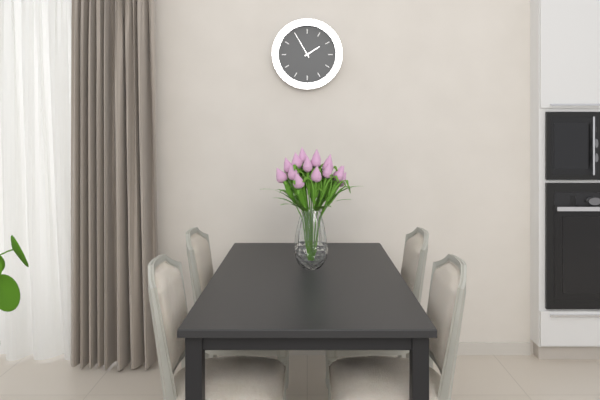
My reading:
**1:55**
